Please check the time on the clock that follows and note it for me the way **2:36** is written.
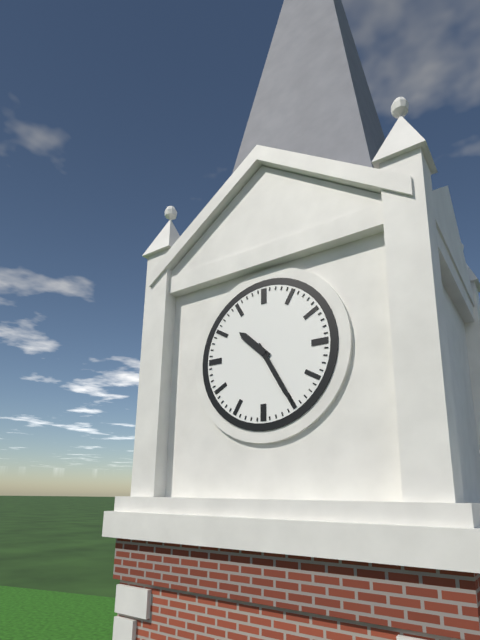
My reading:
**10:25**
